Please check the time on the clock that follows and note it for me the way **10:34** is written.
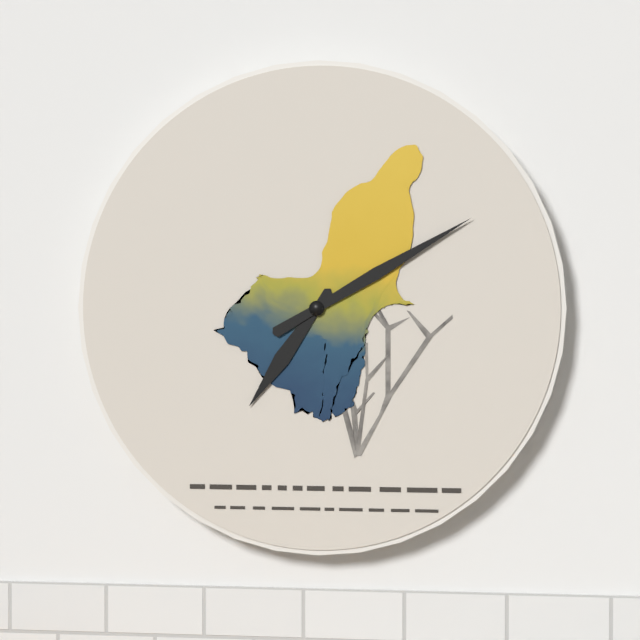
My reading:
**7:10**
